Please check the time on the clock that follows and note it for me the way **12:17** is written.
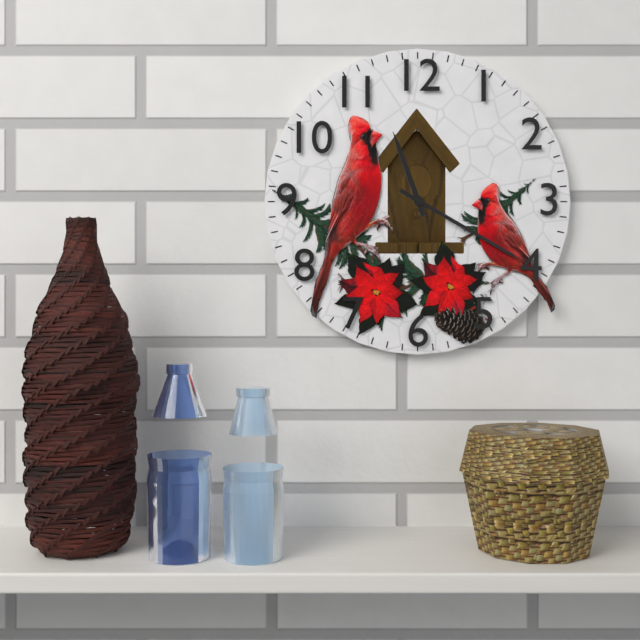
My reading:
**11:20**
